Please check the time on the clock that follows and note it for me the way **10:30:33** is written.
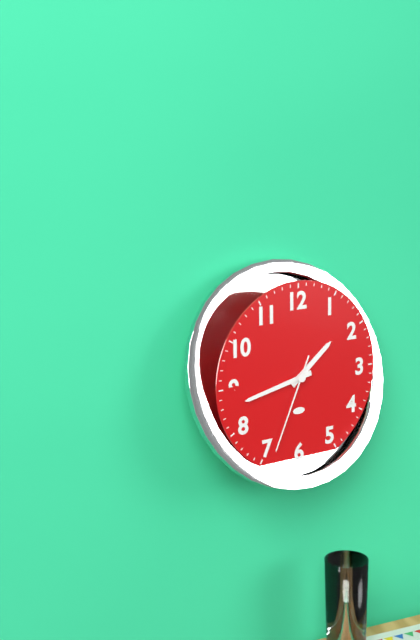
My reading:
**1:43:34**
